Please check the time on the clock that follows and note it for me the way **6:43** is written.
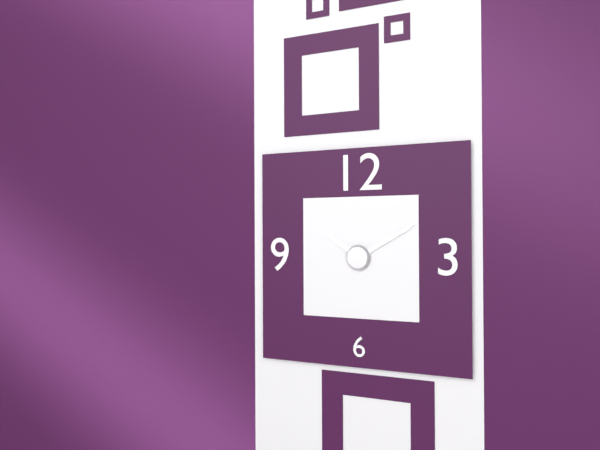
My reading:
**10:10**
